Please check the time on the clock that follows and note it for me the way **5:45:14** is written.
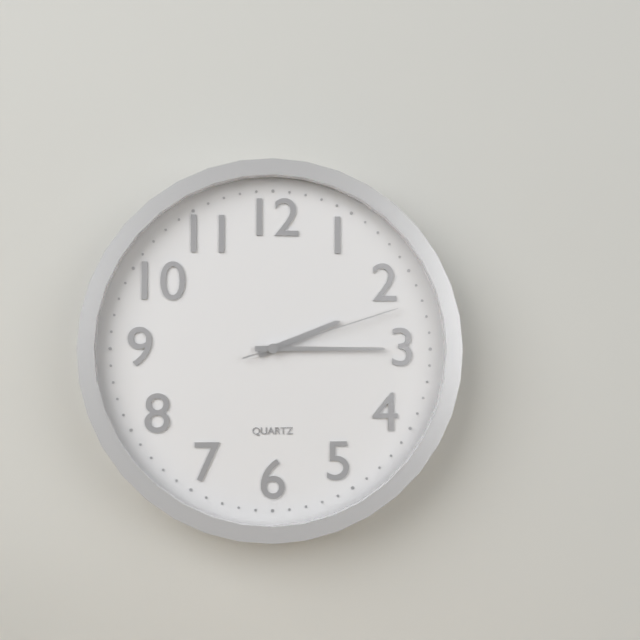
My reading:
**2:15:12**
